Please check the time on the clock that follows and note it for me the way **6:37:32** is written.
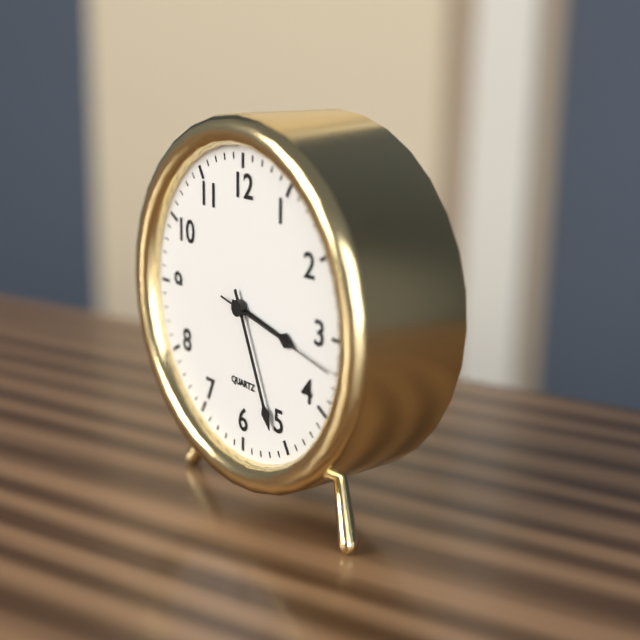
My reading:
**3:26:17**
